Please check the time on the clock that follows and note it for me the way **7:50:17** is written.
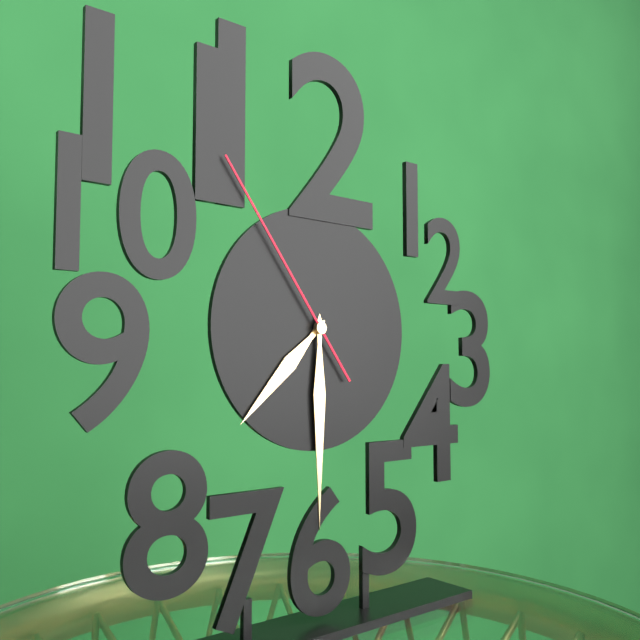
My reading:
**7:30:54**
